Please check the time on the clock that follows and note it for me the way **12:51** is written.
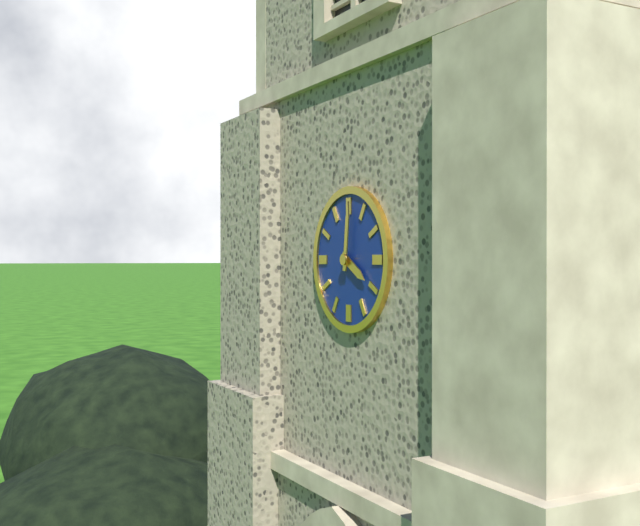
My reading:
**4:01**
